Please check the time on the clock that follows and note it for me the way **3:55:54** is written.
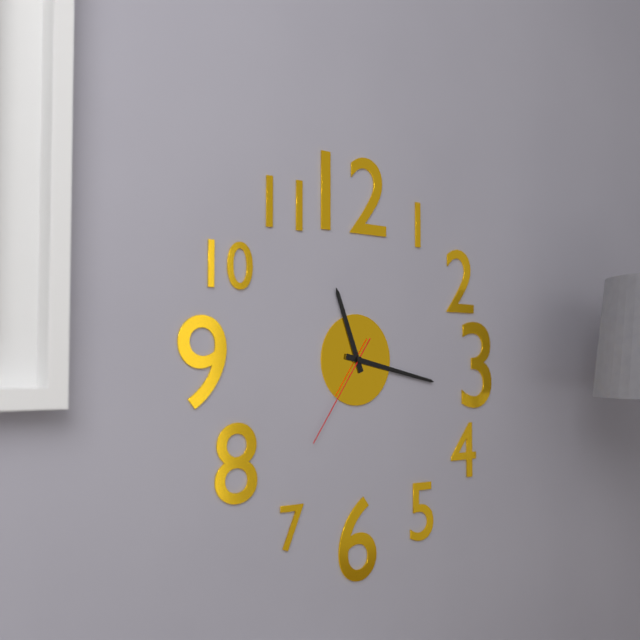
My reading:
**11:17:36**
